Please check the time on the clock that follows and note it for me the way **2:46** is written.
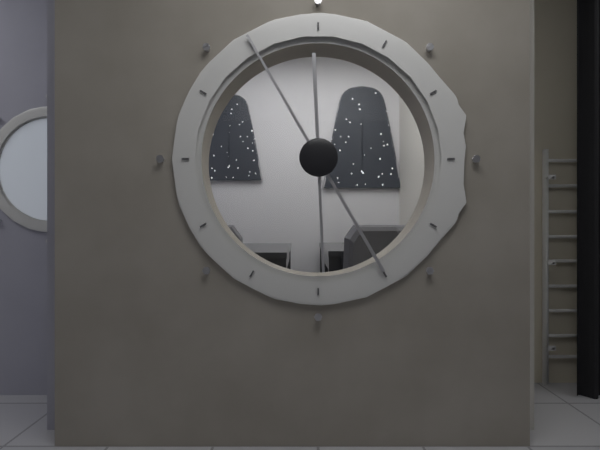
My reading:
**5:55**
